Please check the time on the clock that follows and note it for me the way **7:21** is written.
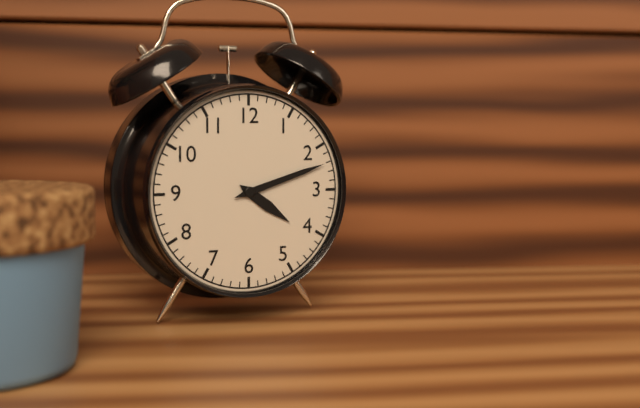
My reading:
**4:12**
